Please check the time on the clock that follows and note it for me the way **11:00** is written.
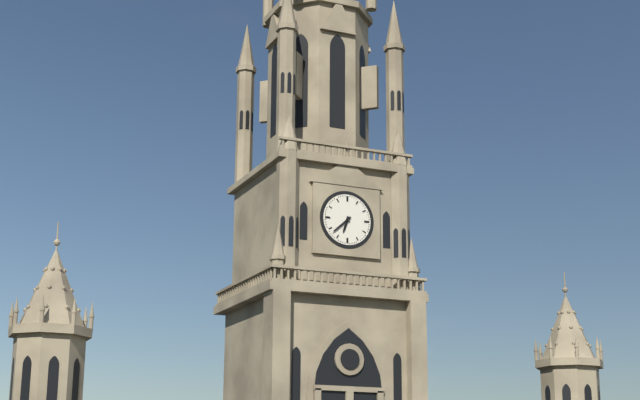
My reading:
**6:38**
